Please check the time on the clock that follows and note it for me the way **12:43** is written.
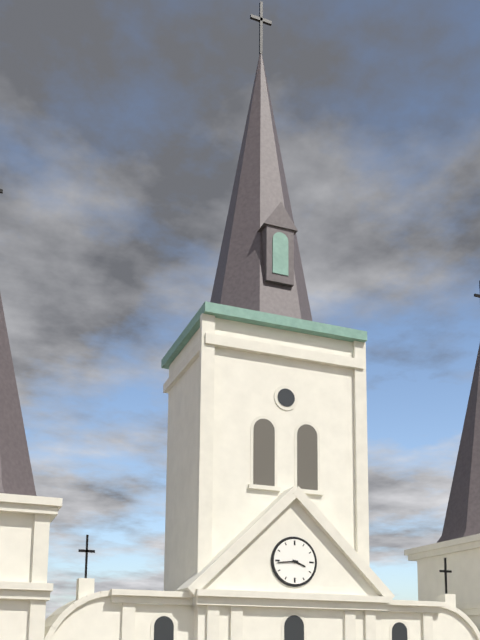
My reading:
**3:44**
